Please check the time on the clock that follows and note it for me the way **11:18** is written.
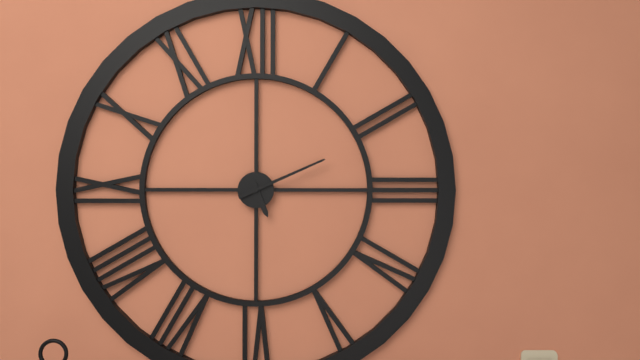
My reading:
**5:11**
